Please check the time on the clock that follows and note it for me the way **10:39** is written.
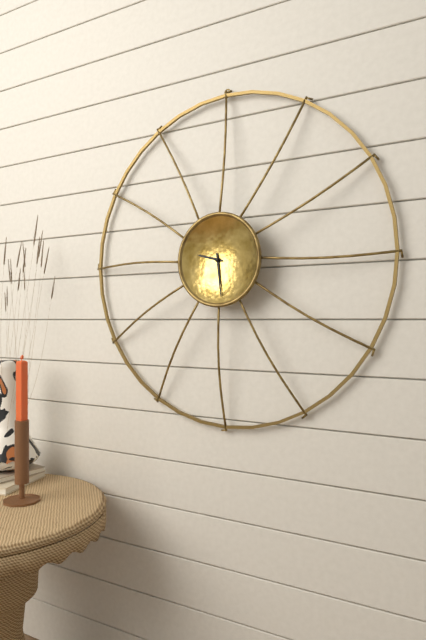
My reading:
**9:29**
